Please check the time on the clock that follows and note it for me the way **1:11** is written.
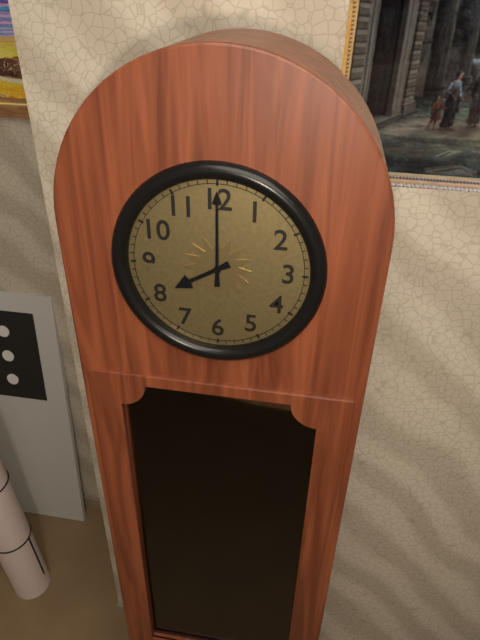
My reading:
**8:00**
